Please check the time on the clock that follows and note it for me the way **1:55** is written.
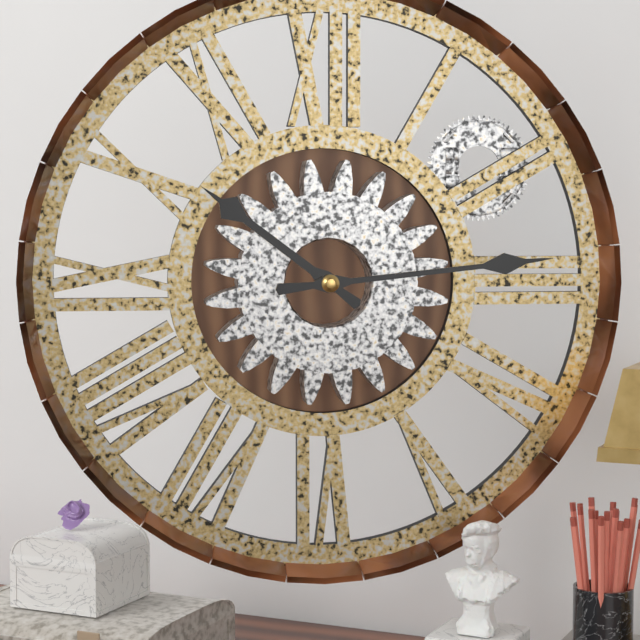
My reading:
**10:14**
